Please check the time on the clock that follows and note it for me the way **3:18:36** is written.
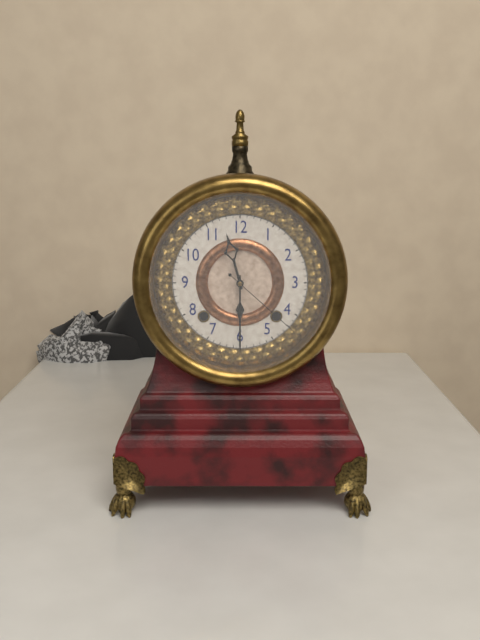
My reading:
**11:30:22**
